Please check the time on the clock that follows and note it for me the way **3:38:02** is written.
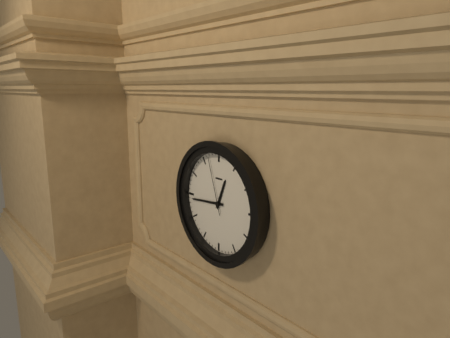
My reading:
**12:44:57**
